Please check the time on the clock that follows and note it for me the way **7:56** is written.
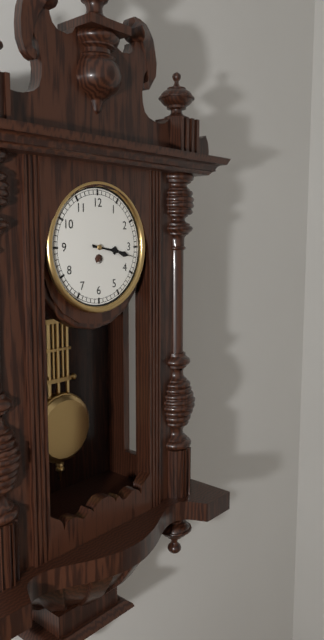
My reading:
**3:17**
